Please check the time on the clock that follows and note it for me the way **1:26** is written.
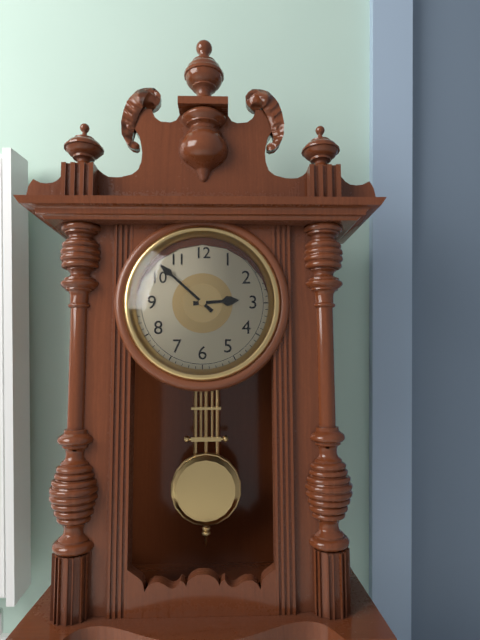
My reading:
**2:52**
